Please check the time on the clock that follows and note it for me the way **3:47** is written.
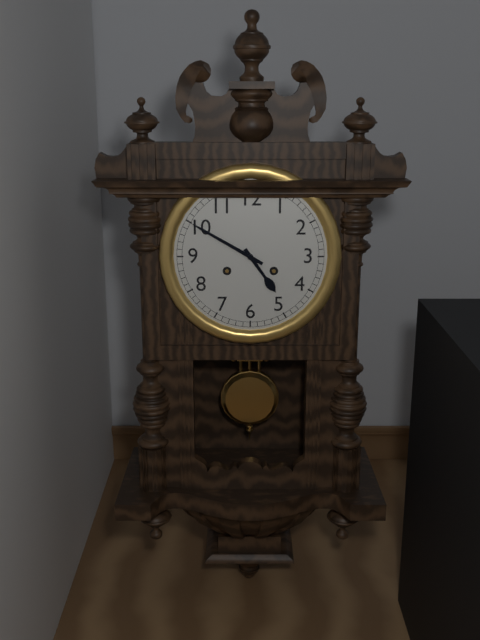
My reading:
**4:50**
